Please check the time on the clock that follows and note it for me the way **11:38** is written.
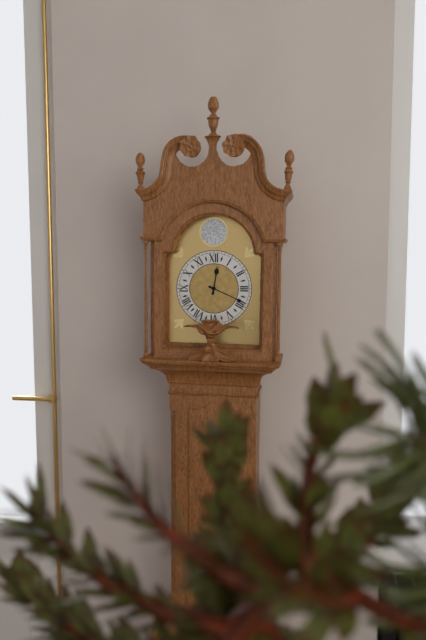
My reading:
**12:19**
